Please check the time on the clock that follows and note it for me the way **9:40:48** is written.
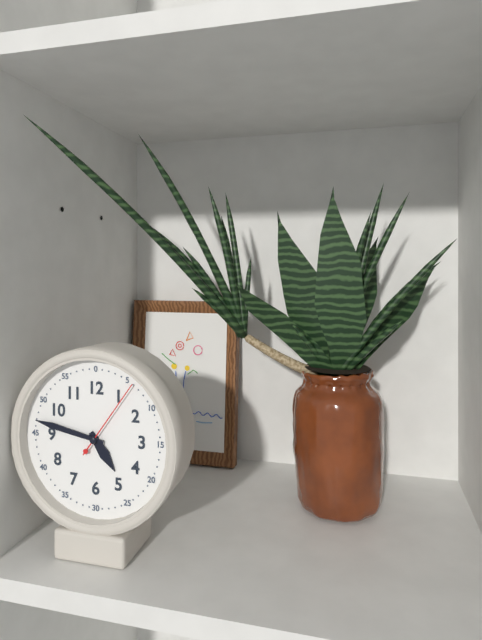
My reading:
**4:47:06**
